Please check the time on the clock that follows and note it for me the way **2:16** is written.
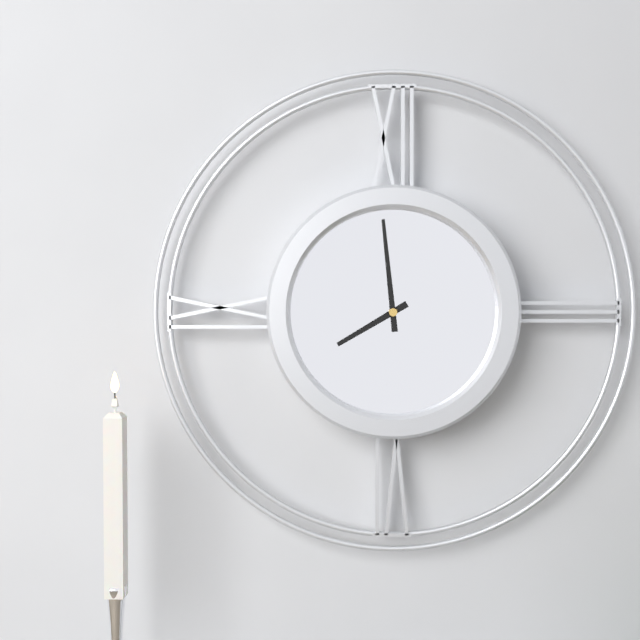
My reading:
**7:59**
